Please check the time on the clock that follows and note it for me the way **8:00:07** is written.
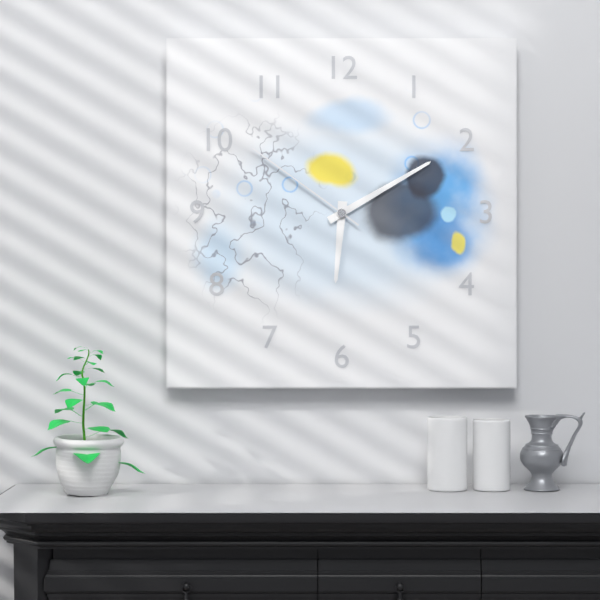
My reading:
**6:10:51**
